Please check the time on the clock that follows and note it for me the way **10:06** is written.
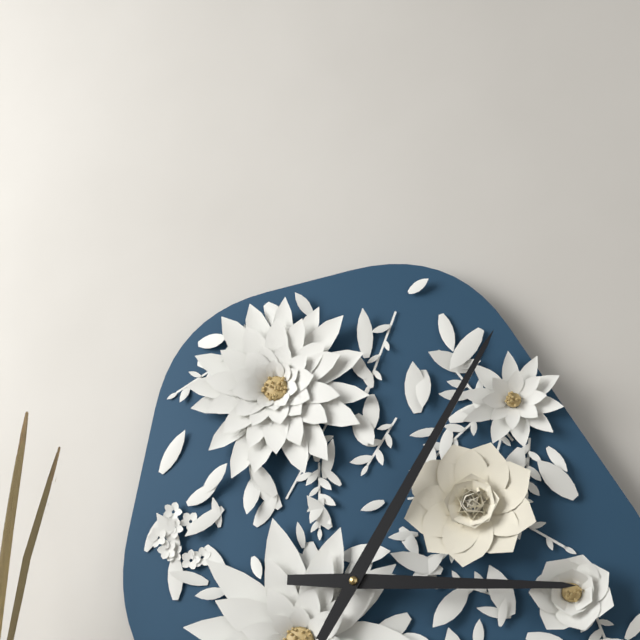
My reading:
**3:05**
